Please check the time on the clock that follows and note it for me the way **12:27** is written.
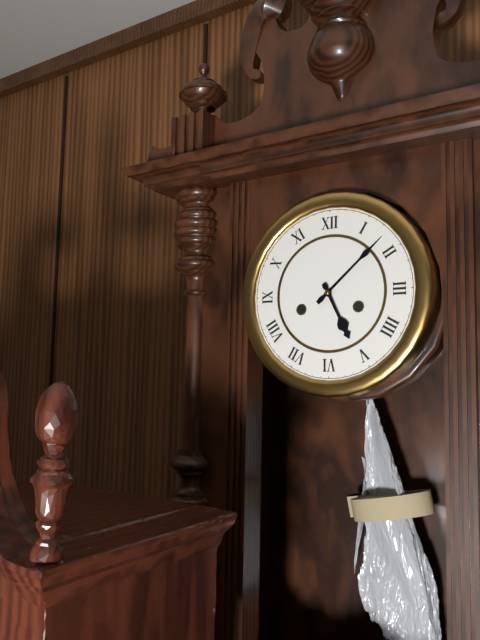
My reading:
**5:08**
